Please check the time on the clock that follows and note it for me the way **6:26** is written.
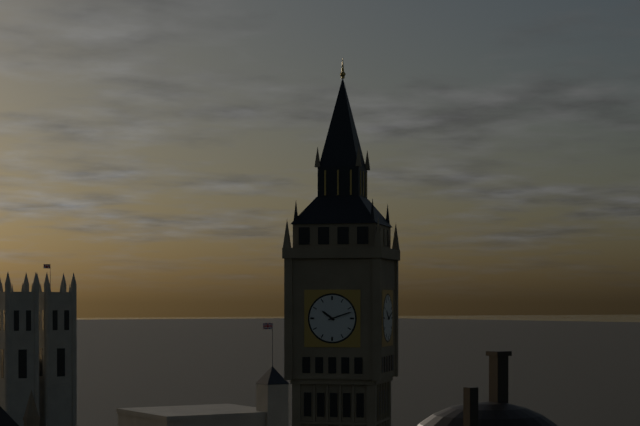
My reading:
**10:12**
